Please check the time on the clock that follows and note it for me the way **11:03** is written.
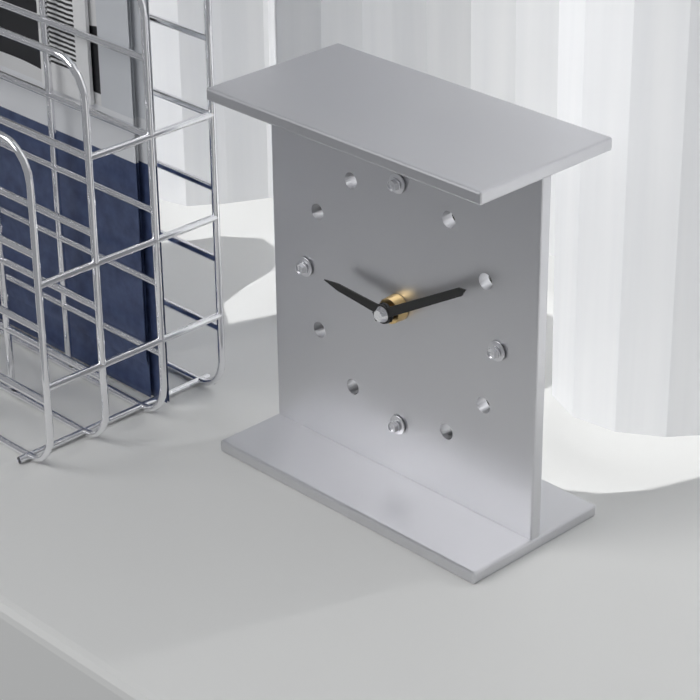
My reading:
**9:10**
